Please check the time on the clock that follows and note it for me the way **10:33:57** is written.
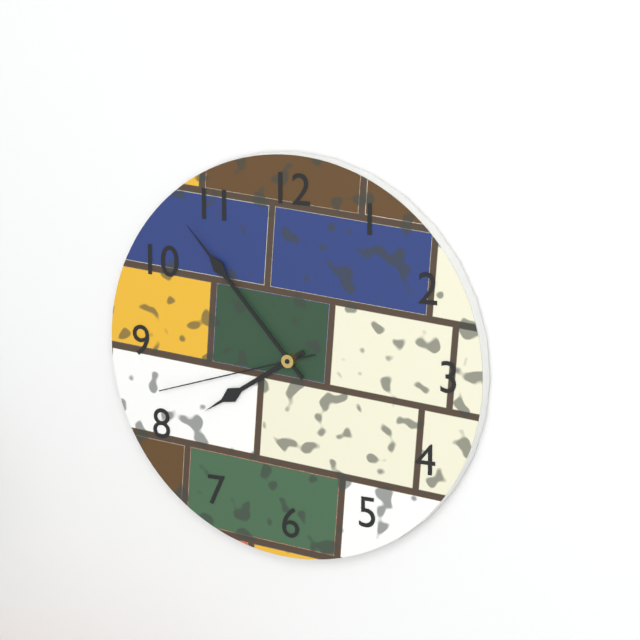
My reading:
**7:53:42**
